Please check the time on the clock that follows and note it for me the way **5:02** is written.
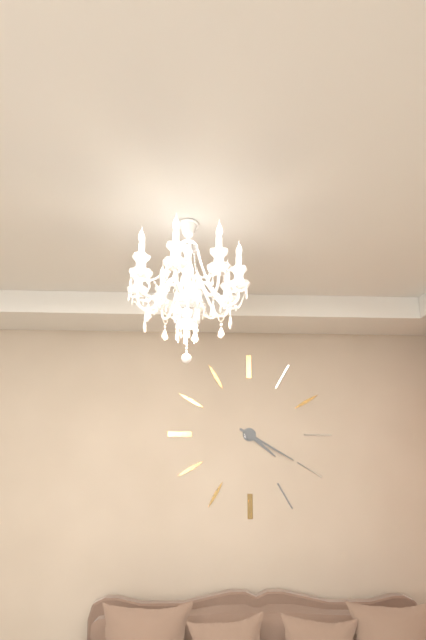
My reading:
**4:20**
